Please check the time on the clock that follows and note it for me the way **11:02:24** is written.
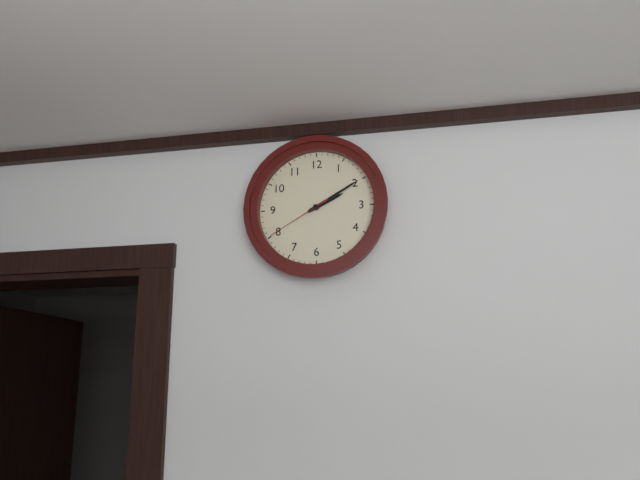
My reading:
**2:10:40**
